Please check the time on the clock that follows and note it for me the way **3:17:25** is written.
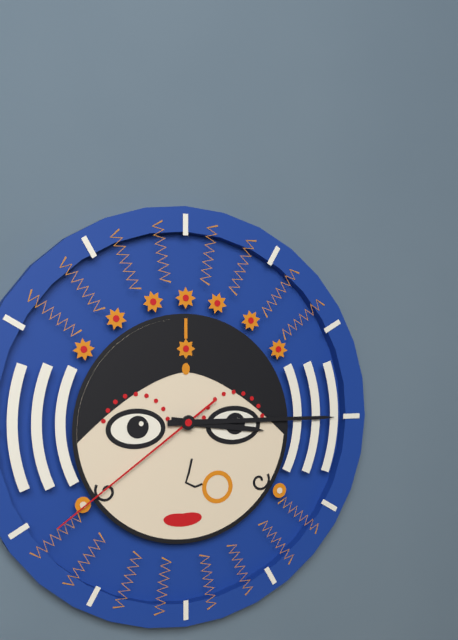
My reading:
**3:15:39**
